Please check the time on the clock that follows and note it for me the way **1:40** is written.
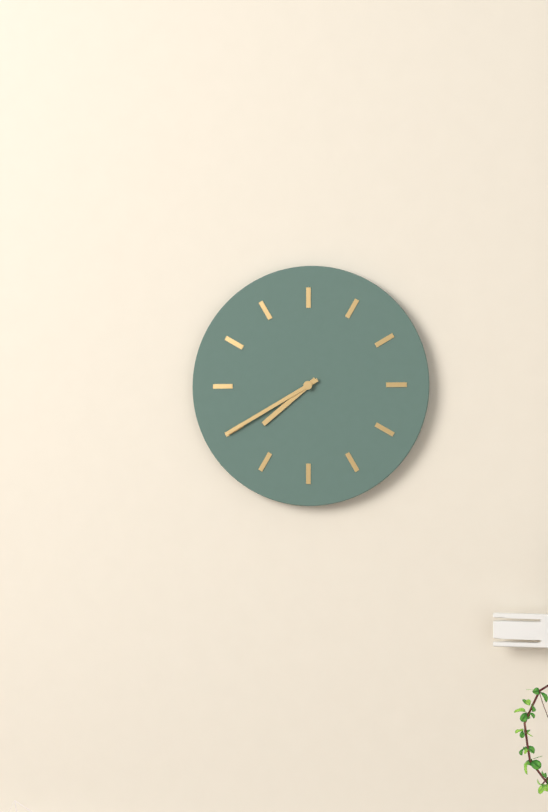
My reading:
**7:40**
